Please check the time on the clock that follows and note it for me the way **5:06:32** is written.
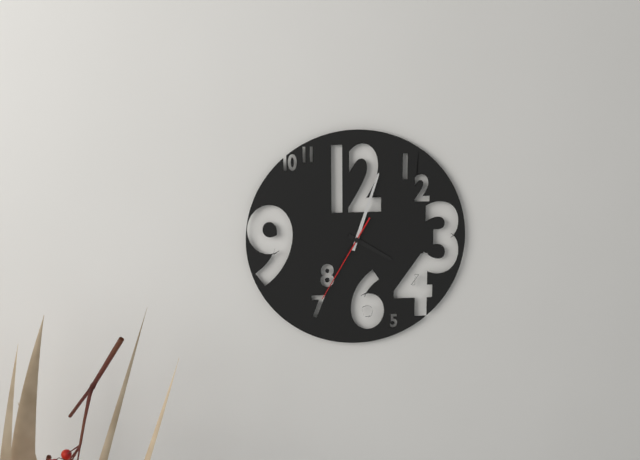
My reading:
**4:03:35**
